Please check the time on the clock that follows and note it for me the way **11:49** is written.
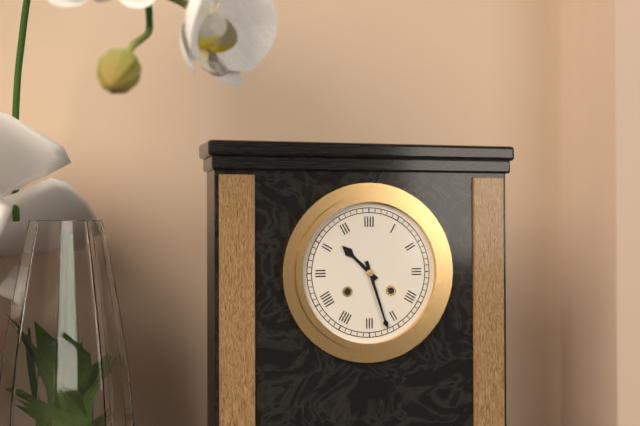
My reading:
**10:27**
